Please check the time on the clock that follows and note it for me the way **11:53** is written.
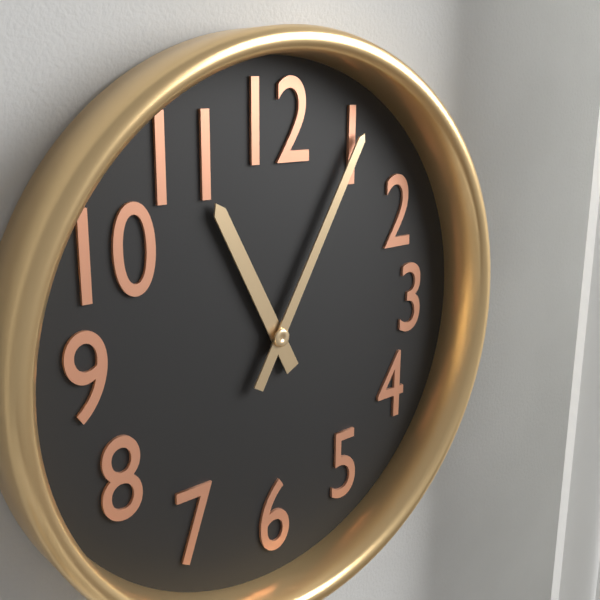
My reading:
**11:05**
